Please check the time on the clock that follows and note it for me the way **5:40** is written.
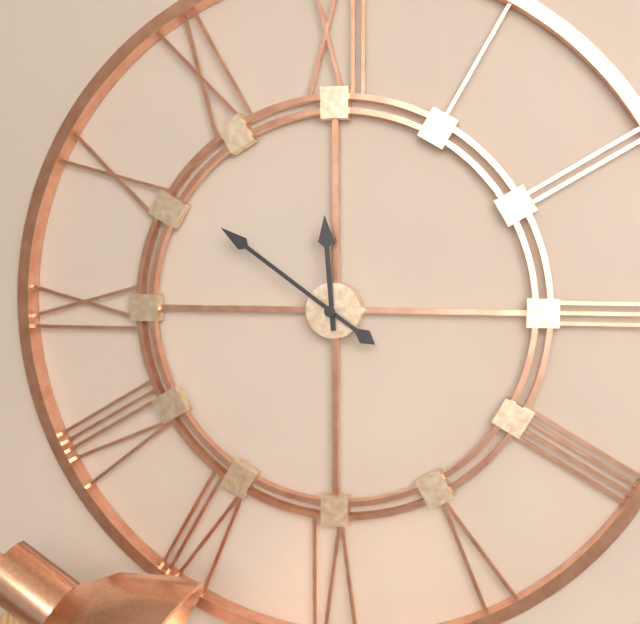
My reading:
**11:51**
